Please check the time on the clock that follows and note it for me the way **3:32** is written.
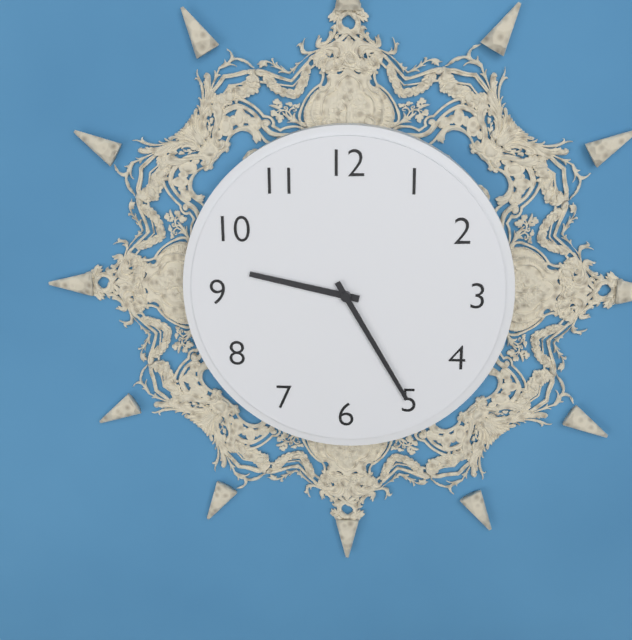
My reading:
**9:25**
